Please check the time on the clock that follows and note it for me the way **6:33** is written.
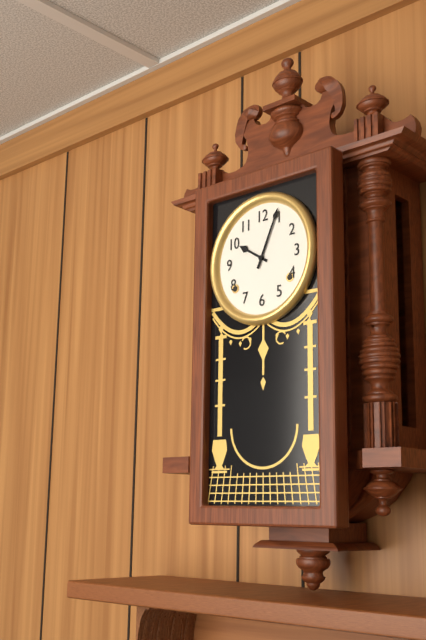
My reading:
**10:04**
